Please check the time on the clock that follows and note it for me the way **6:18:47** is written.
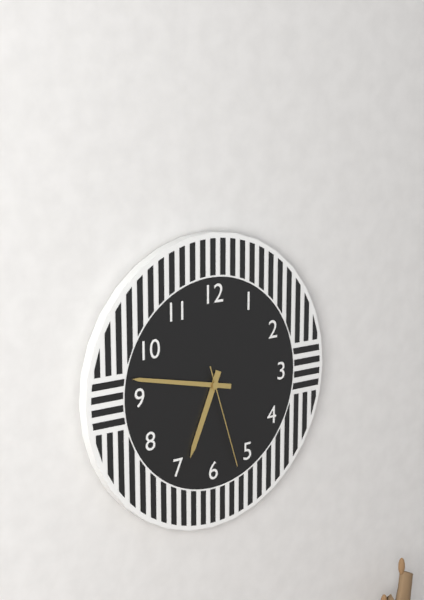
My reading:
**6:47:27**
